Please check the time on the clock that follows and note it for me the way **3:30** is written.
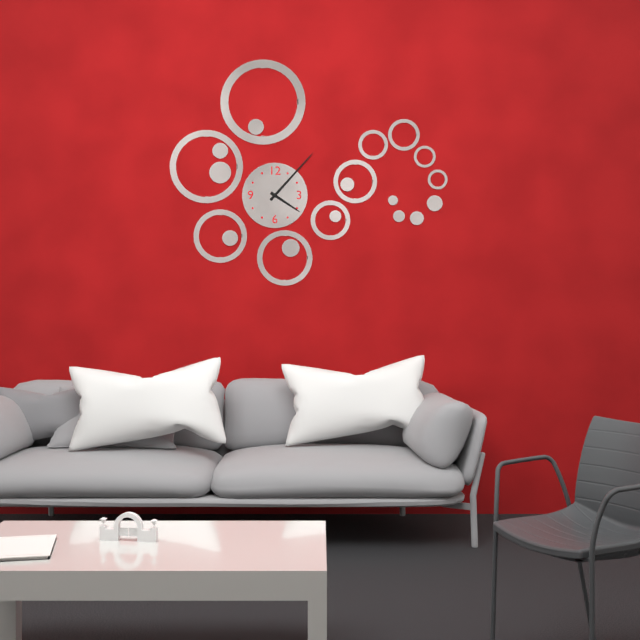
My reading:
**4:07**
